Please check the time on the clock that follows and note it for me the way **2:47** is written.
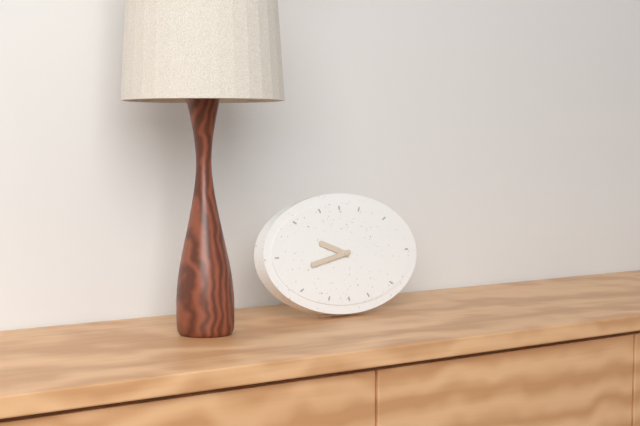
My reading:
**9:43**
